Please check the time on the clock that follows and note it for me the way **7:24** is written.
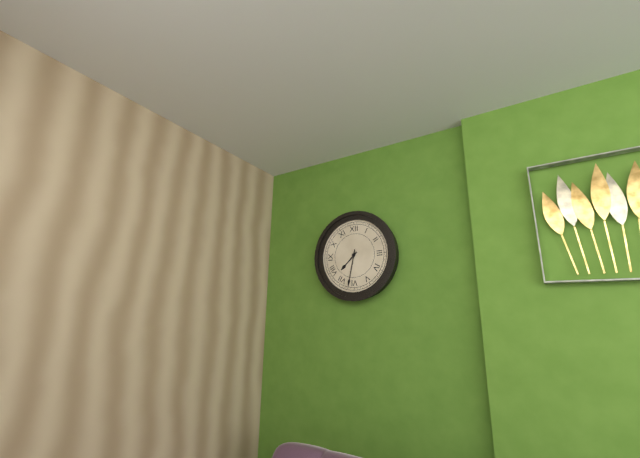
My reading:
**7:32**
